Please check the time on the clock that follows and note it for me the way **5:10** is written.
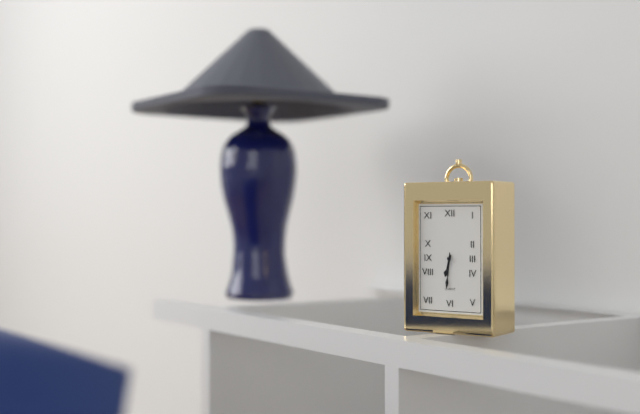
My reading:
**6:31**
